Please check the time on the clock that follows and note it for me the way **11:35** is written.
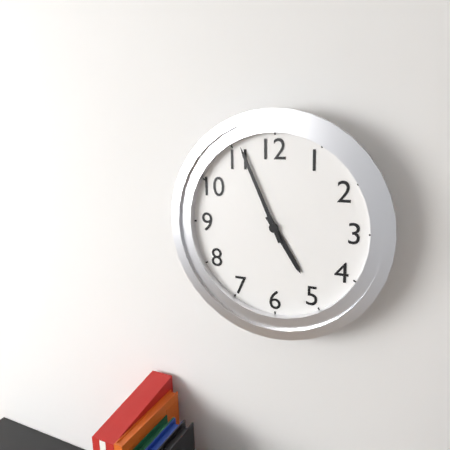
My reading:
**4:56**
